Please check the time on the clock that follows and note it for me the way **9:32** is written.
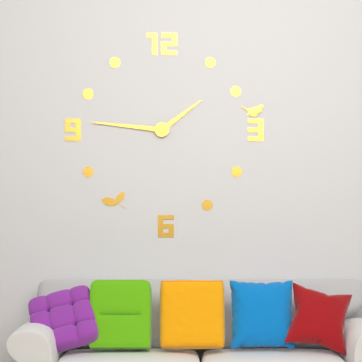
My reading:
**1:46**
